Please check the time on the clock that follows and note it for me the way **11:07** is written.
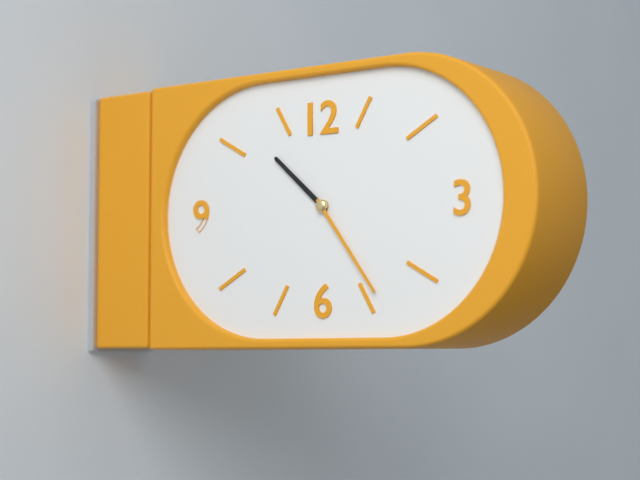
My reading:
**10:24**
